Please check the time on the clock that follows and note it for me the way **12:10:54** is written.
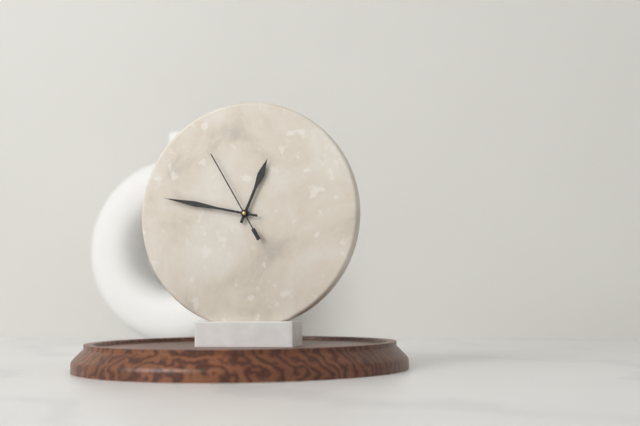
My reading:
**12:47:55**
